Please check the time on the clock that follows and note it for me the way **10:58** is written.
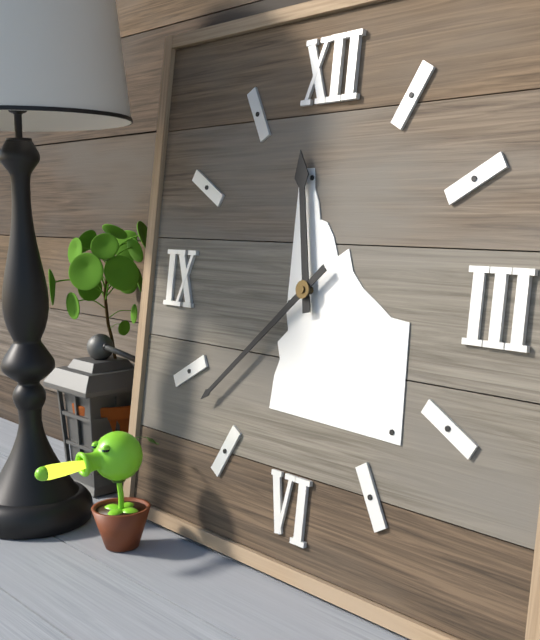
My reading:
**11:38**
